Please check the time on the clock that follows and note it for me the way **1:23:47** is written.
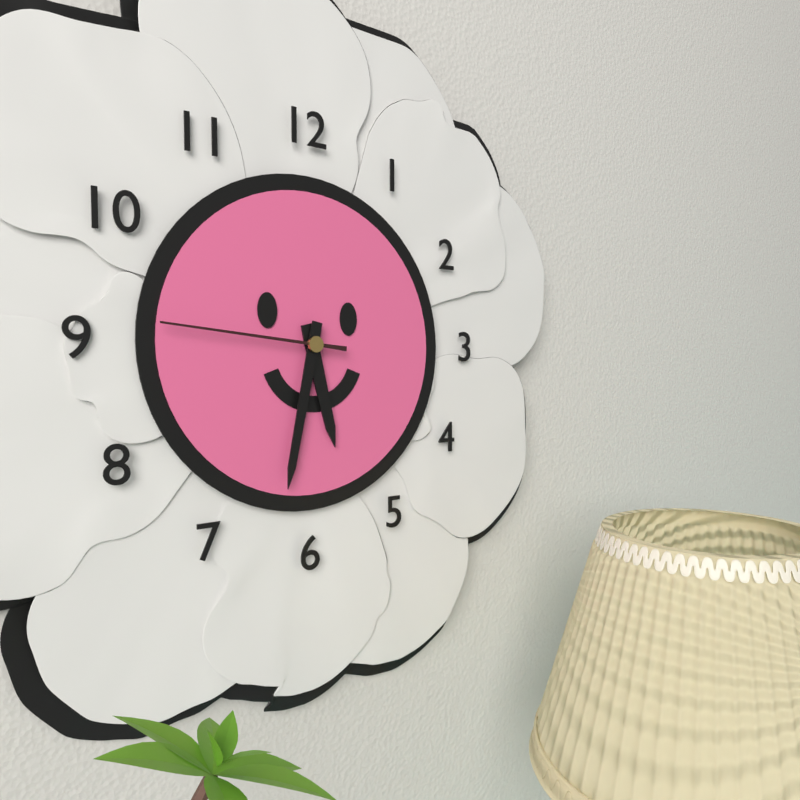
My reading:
**5:32:46**
